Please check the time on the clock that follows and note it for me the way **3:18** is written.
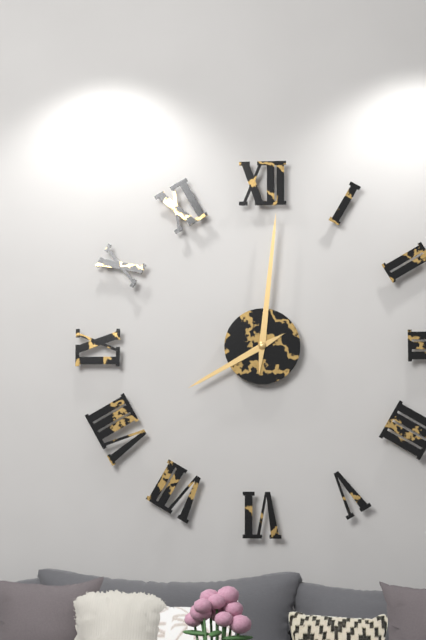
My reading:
**8:01**
